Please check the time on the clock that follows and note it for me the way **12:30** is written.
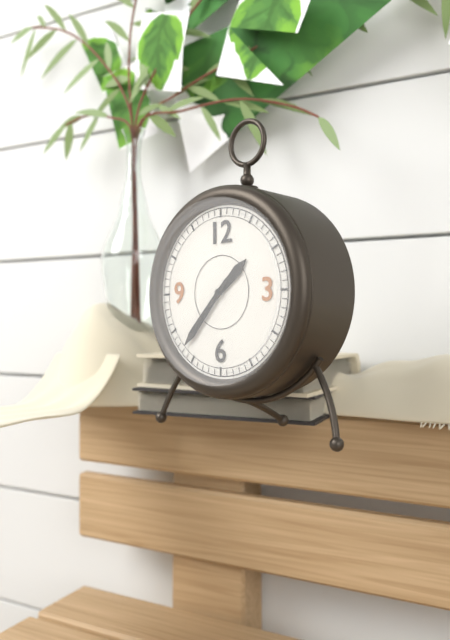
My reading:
**1:37**
